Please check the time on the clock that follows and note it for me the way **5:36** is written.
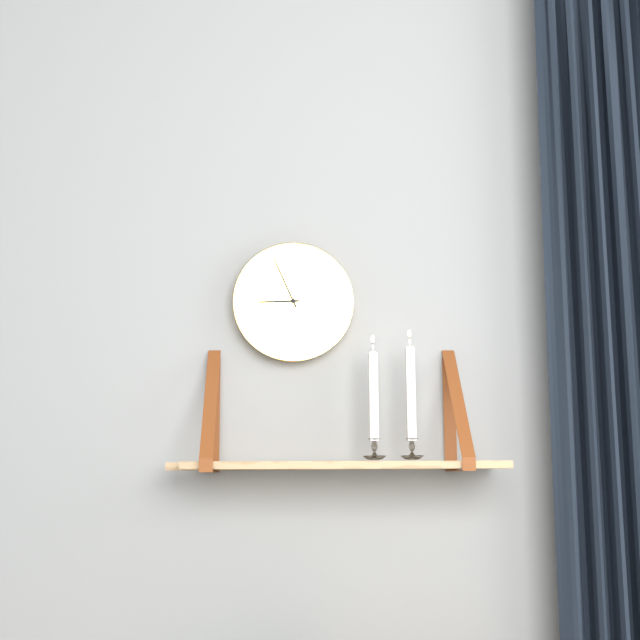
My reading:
**8:56**
